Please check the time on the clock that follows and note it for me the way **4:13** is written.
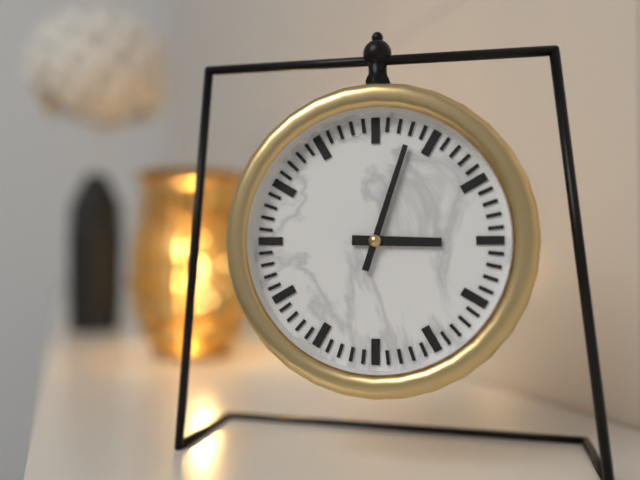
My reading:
**3:03**
